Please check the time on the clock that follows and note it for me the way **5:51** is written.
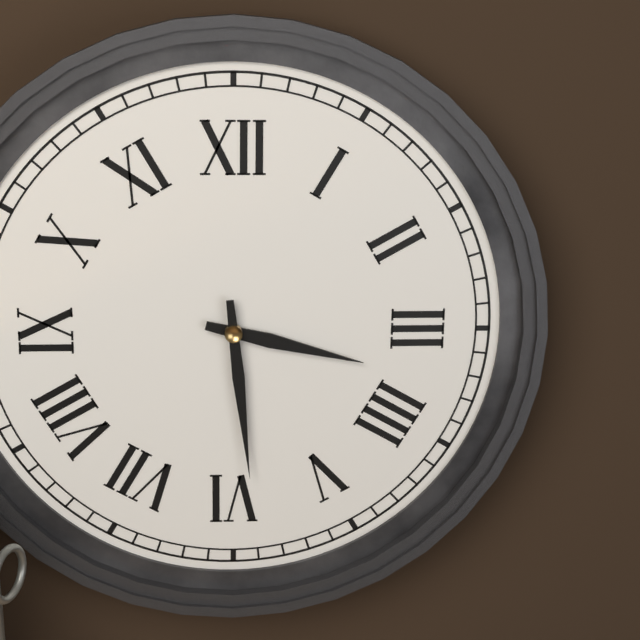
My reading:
**3:29**
